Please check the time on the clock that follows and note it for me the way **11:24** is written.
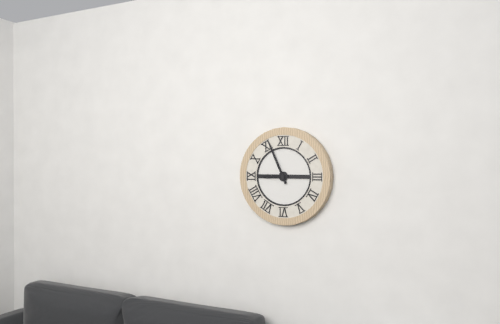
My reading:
**8:56**
